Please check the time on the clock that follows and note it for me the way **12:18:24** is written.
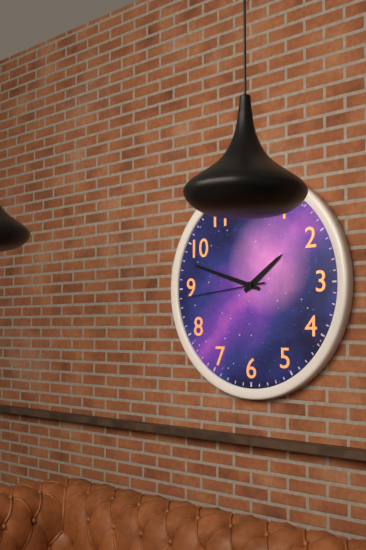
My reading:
**1:48:44**
